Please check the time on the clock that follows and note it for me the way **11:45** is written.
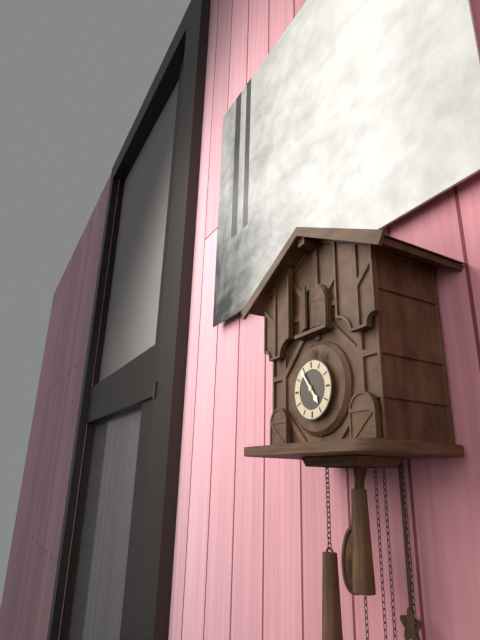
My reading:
**4:54**
